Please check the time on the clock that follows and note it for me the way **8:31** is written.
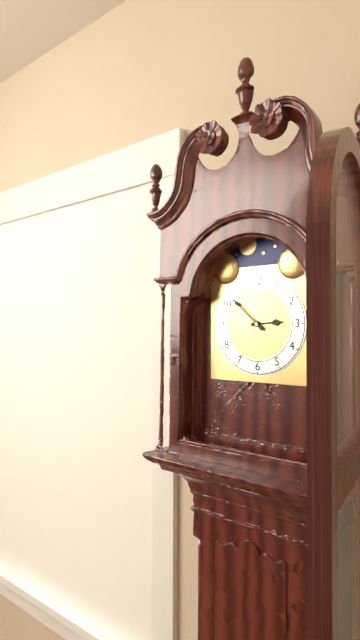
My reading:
**2:52**
